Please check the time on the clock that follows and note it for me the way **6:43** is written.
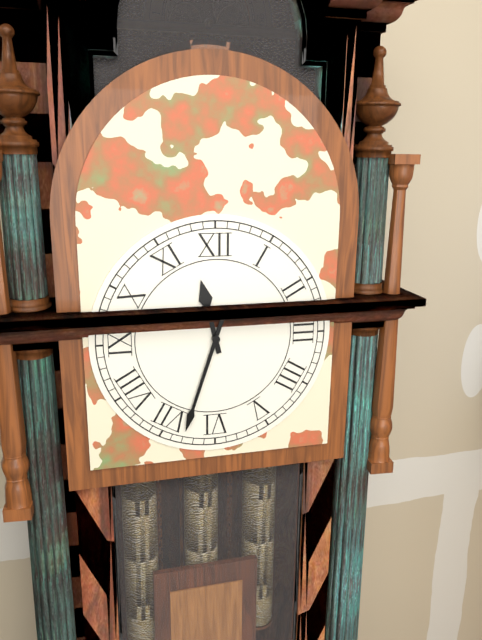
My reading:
**11:33**
